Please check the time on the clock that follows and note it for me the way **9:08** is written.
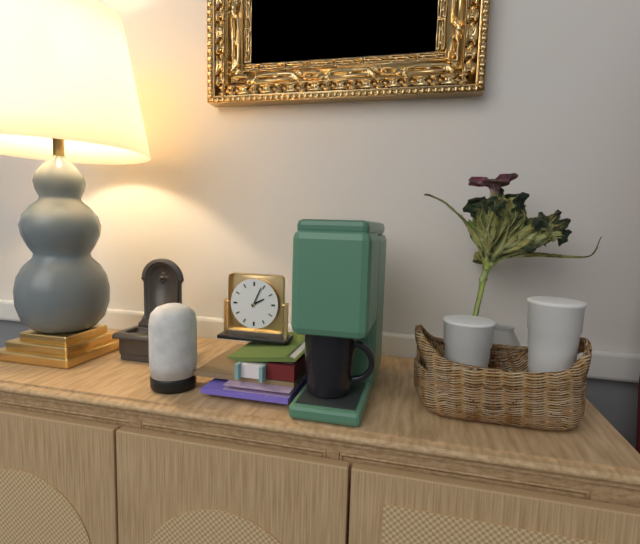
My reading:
**2:04**
